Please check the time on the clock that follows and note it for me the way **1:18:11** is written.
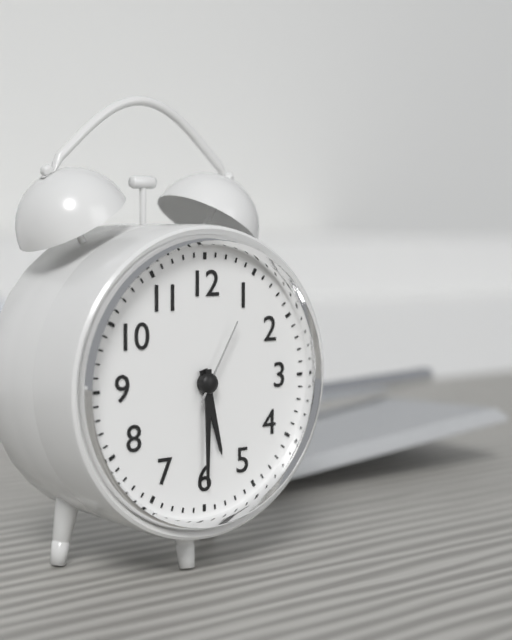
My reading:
**5:30:05**
